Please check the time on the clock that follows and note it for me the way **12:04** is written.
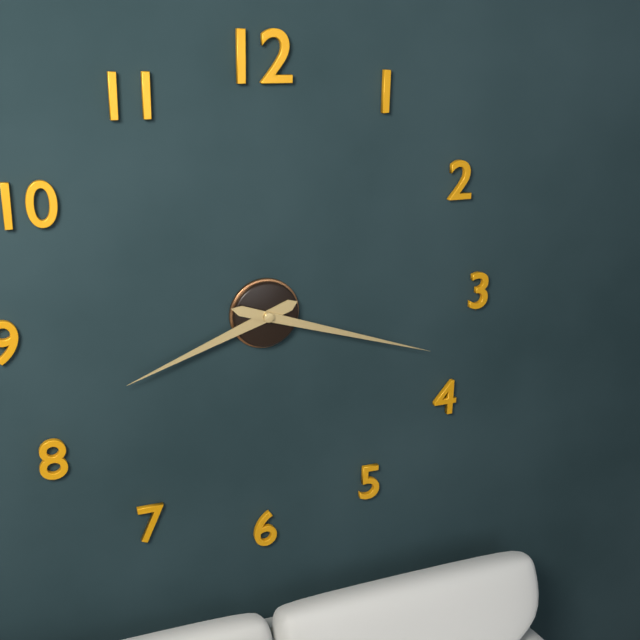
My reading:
**8:18**
